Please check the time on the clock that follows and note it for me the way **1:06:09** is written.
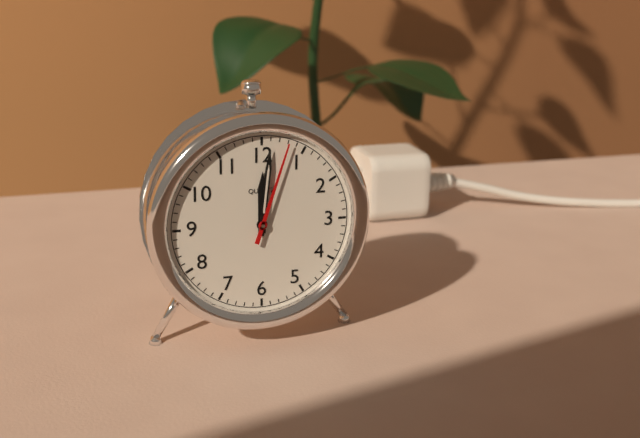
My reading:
**12:01:03**
